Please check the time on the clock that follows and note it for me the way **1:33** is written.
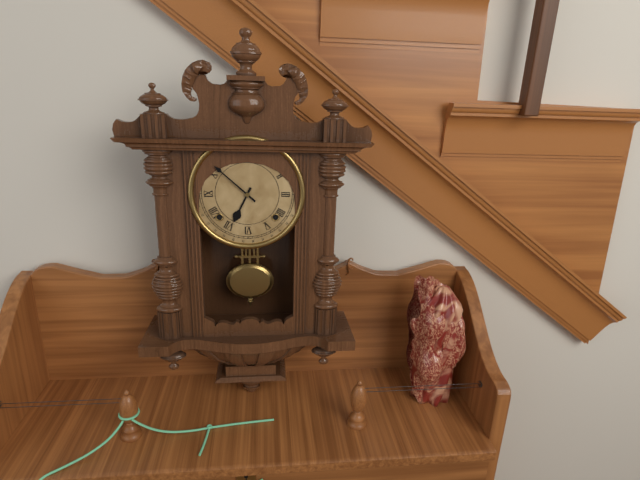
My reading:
**6:52**
